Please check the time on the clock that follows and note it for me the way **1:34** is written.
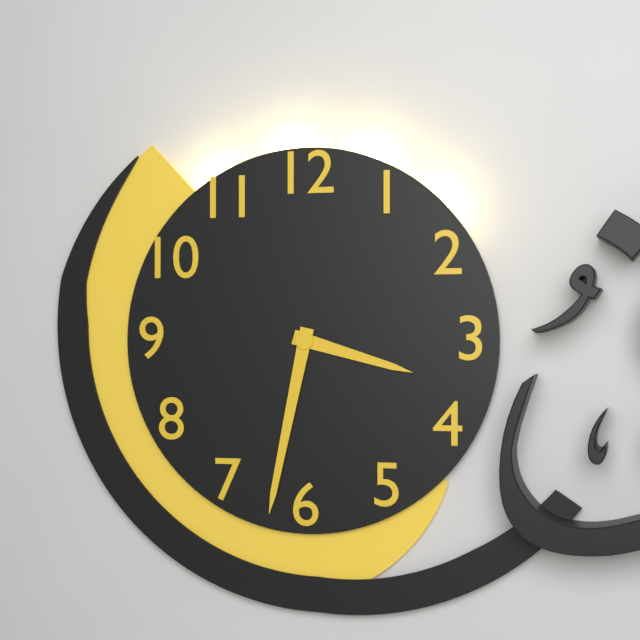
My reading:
**3:32**
